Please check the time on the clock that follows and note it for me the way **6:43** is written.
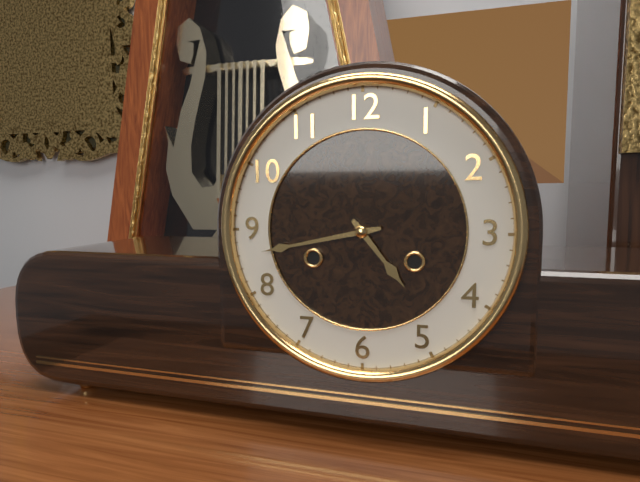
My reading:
**4:43**
